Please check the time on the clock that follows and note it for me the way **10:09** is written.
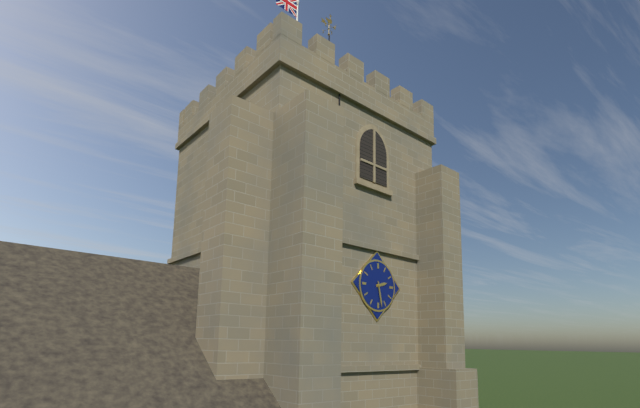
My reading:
**2:28**
